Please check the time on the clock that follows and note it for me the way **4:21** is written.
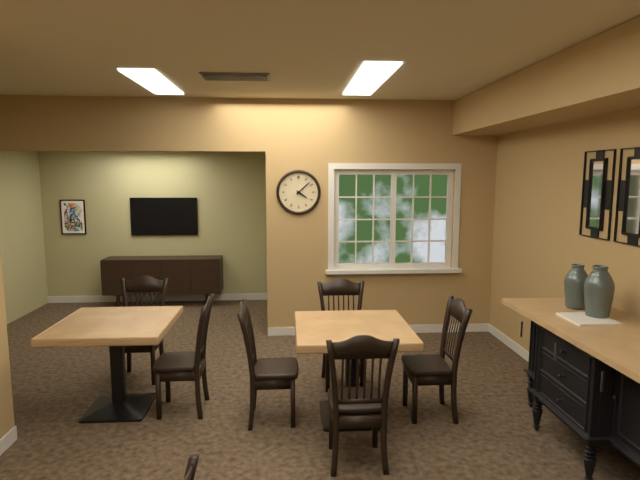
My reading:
**4:08**
